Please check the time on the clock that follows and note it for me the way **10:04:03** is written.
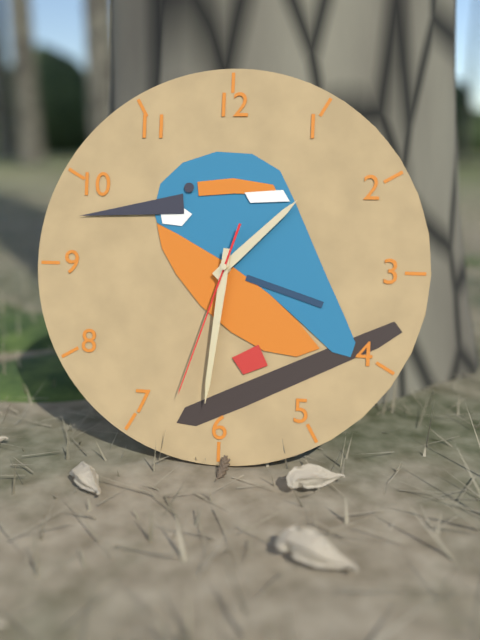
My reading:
**1:31:33**
